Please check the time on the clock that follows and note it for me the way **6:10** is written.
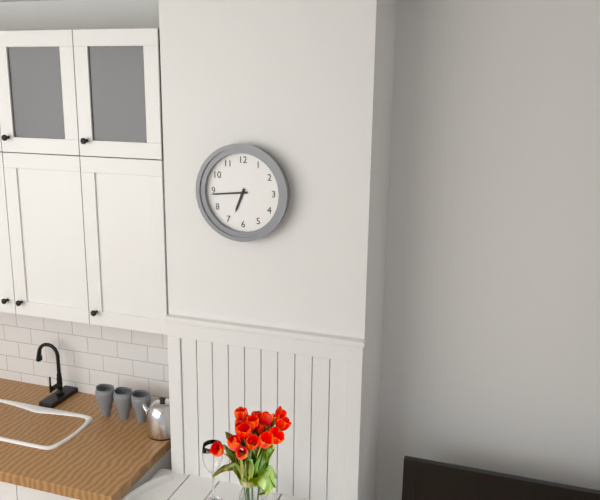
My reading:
**6:44**
